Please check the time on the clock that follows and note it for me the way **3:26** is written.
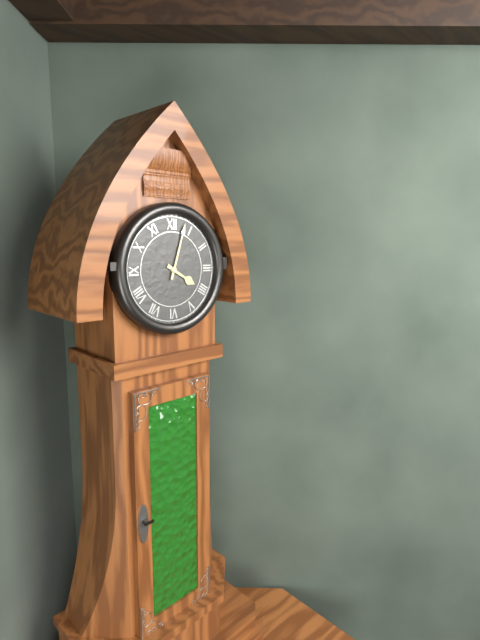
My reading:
**4:03**
